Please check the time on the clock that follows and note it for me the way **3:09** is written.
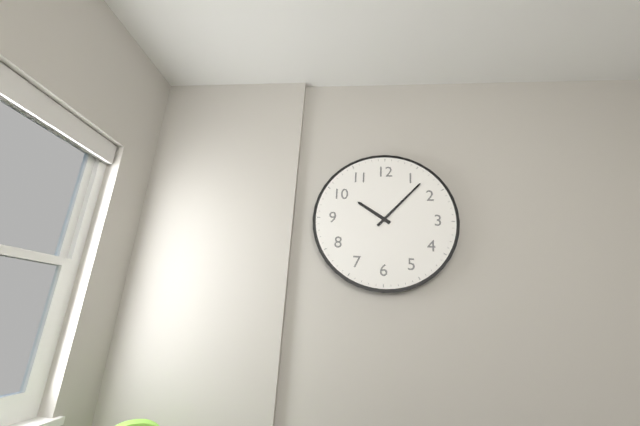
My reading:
**10:07**
